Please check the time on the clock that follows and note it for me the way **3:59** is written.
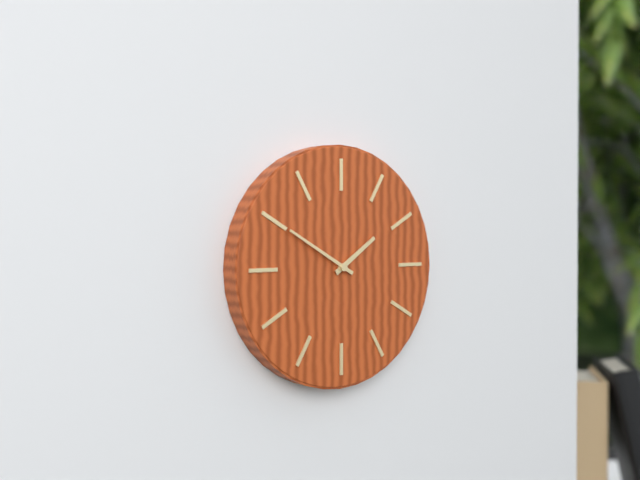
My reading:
**1:50**
